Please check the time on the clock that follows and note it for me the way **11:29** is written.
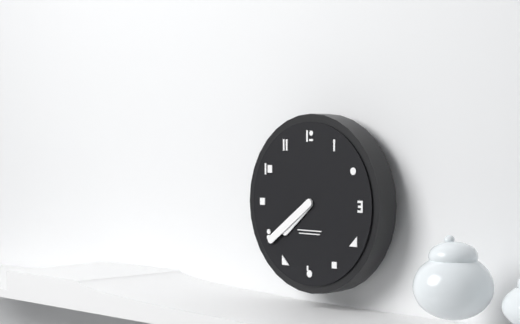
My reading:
**7:39**
